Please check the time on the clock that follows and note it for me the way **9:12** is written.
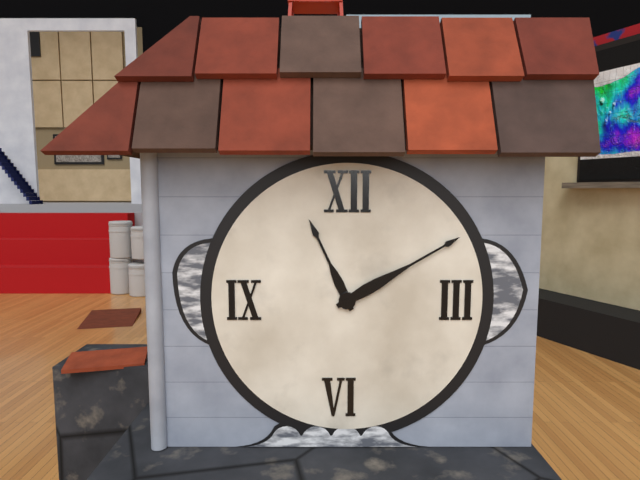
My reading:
**11:10**
